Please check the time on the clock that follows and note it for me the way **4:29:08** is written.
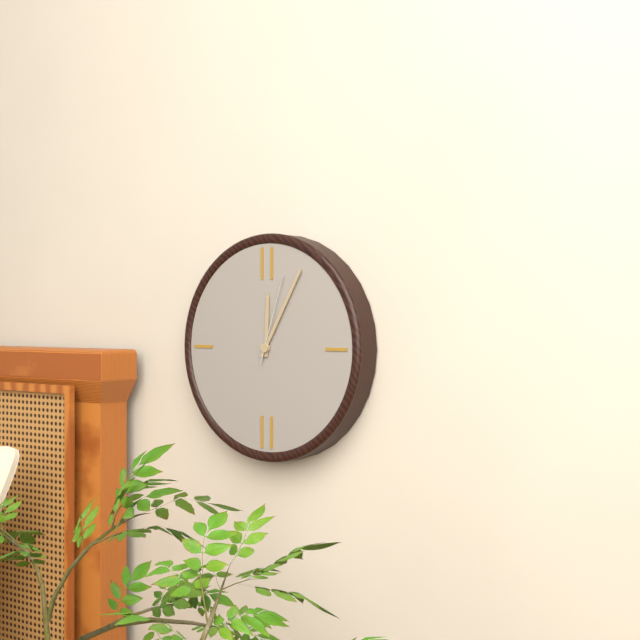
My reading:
**12:05:03**
